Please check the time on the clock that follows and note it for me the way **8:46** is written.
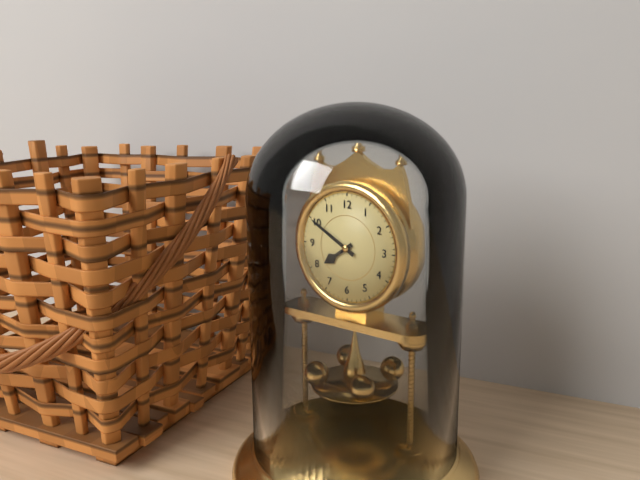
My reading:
**7:50**
